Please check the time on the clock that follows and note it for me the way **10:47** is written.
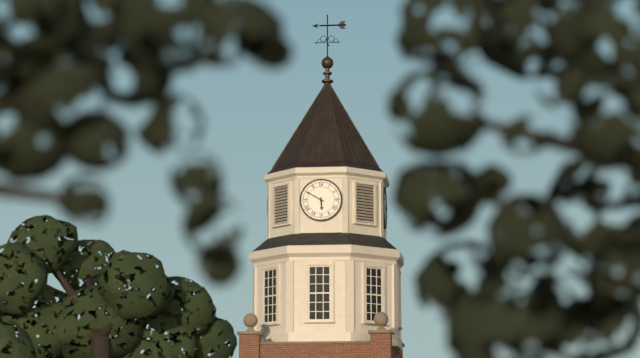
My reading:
**5:50**
